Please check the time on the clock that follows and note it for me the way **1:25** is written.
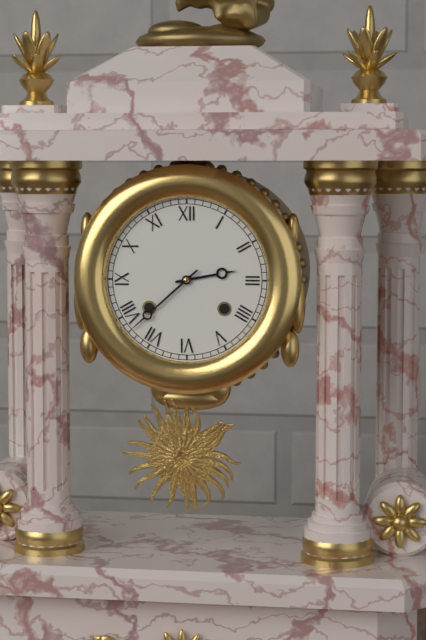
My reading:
**2:38**
